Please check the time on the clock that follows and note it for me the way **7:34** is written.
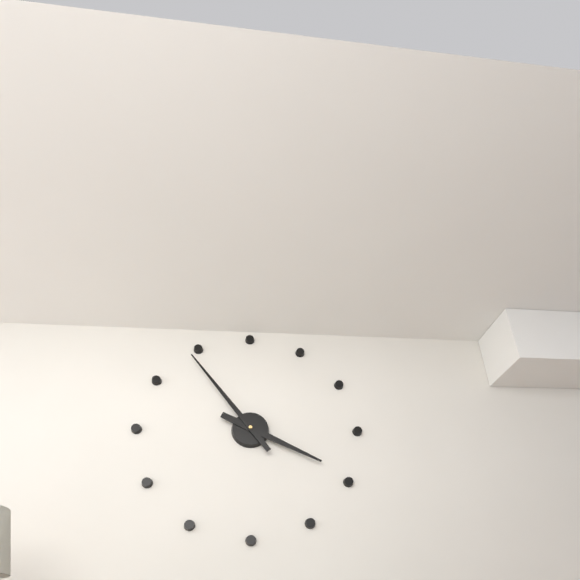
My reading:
**3:54**
